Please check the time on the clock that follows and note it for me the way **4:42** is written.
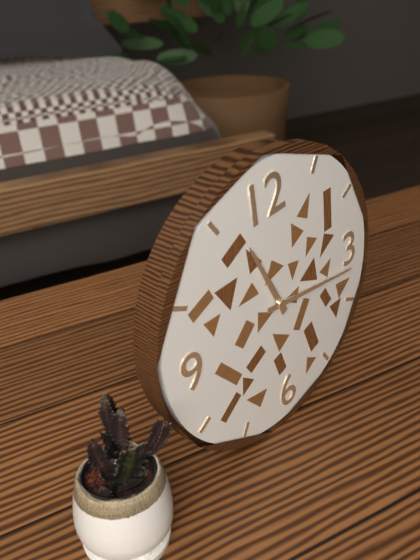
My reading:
**11:17**
